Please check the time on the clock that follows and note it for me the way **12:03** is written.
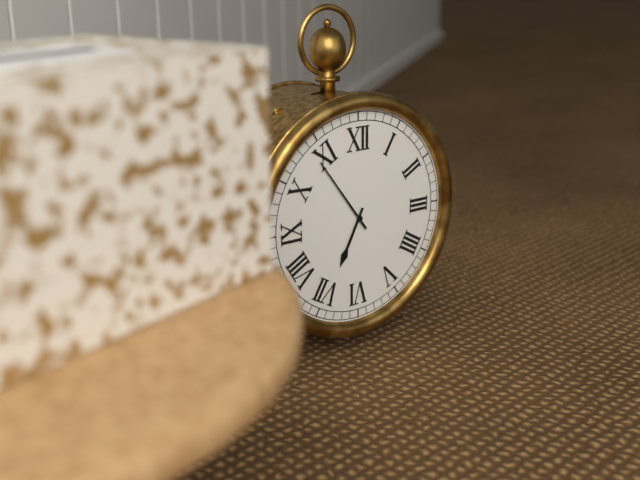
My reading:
**6:54**
